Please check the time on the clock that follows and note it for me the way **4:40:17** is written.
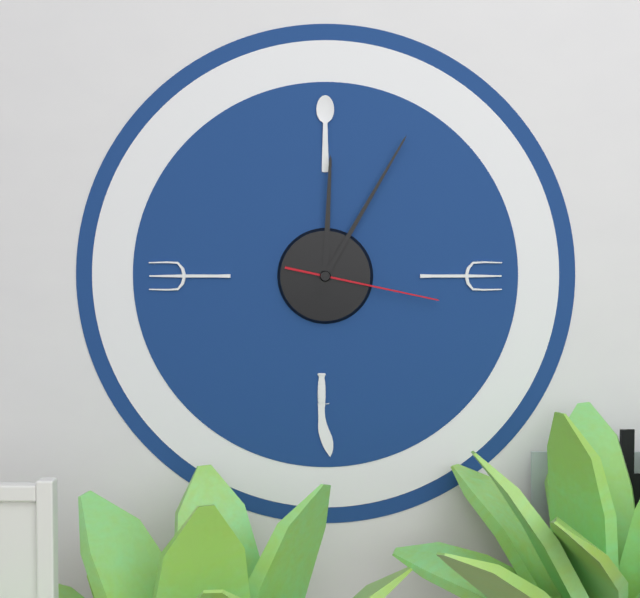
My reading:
**12:05:17**
